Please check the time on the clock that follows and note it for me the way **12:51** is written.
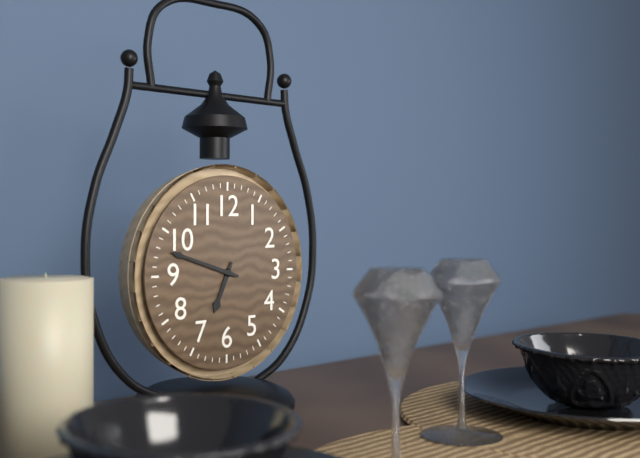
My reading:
**6:48**
